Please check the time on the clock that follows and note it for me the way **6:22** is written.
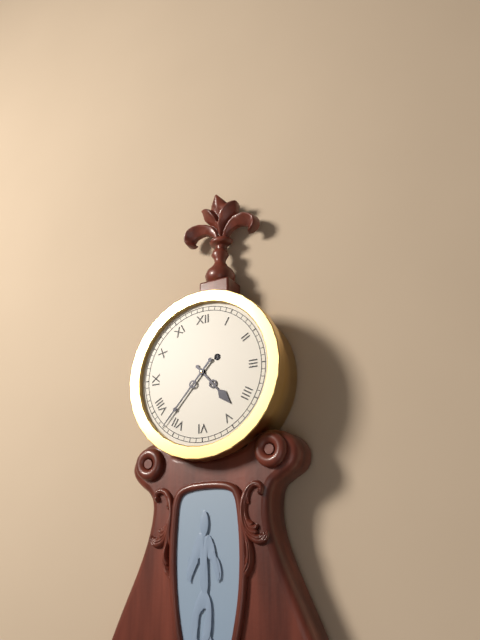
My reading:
**4:37**
